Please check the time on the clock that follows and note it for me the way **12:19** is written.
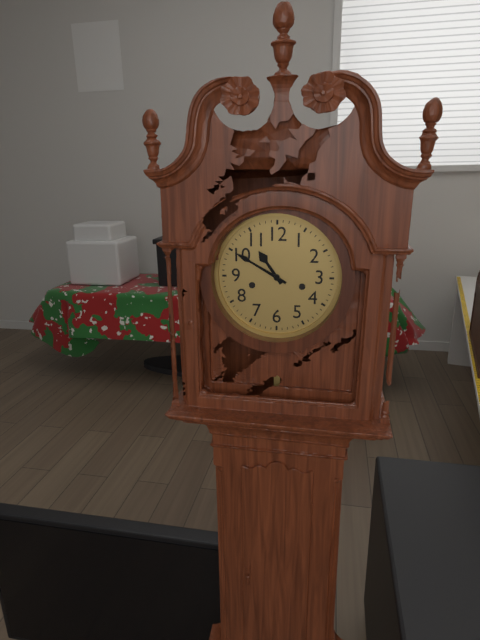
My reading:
**10:50**
